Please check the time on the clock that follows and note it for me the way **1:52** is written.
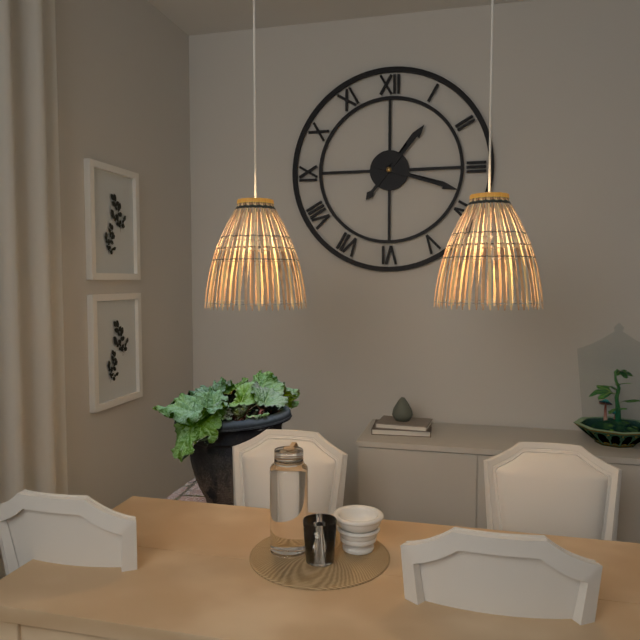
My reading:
**1:18**
